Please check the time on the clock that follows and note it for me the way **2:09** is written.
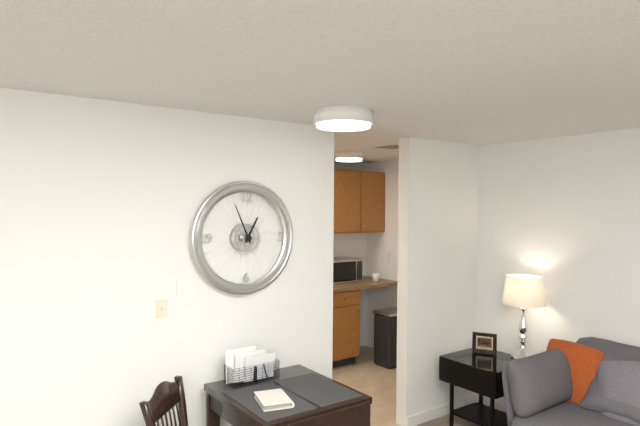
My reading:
**12:56**
